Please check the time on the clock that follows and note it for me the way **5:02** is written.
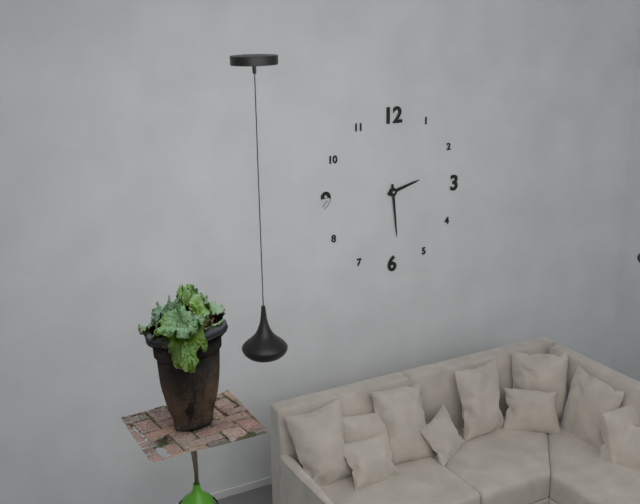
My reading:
**2:29**
